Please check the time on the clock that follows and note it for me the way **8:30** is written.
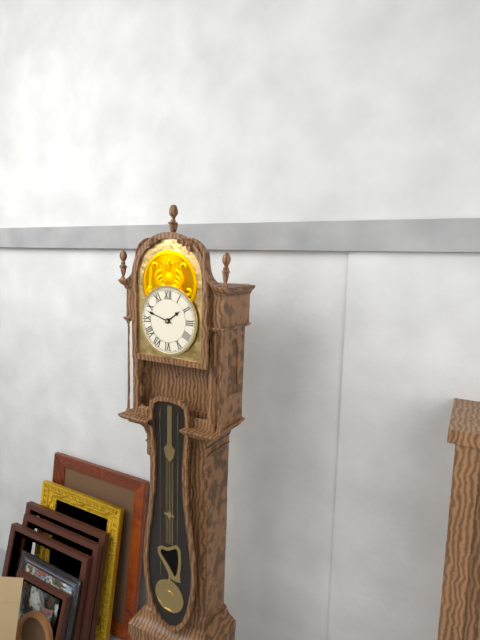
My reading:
**1:48**
